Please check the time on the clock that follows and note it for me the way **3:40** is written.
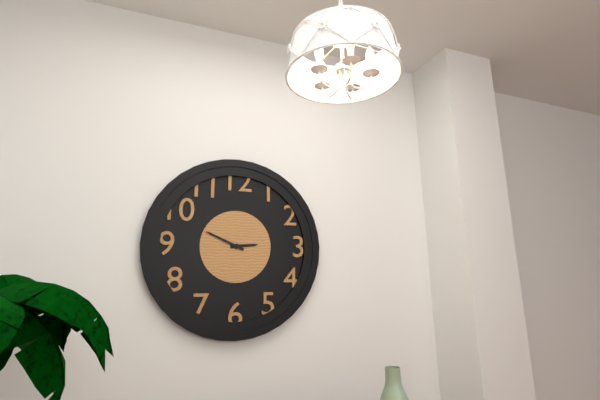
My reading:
**2:49**
